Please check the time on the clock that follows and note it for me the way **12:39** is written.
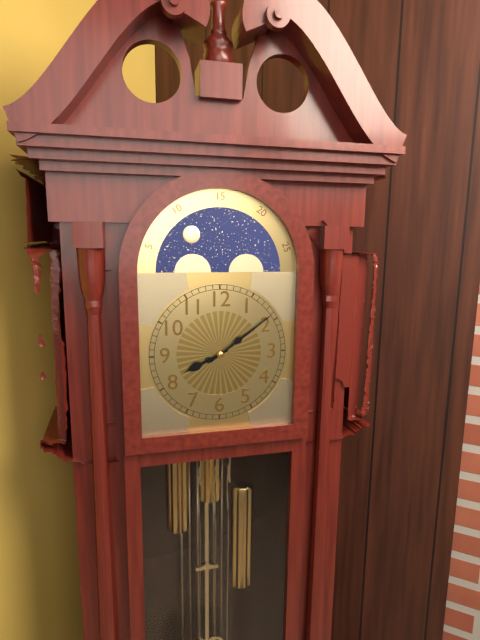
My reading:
**8:09**
